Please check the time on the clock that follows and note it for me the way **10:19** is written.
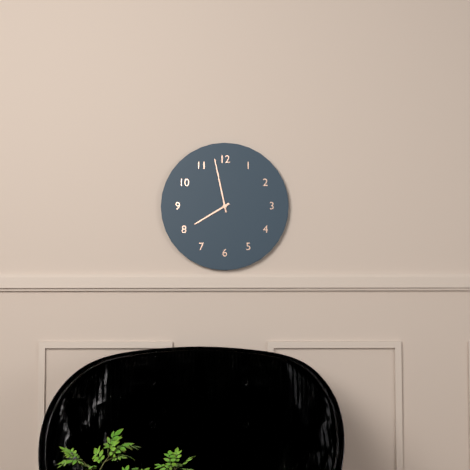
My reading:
**7:58**
